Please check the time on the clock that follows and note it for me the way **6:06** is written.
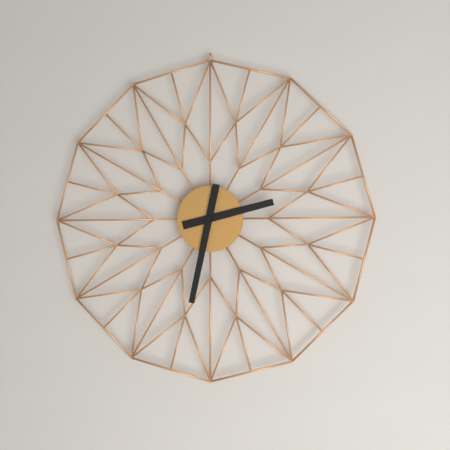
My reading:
**2:32**
